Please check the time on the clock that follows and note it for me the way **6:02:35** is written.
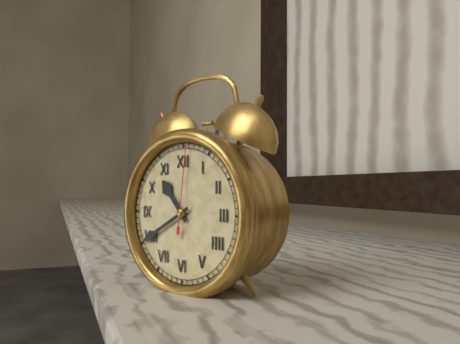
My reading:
**10:40:01**
